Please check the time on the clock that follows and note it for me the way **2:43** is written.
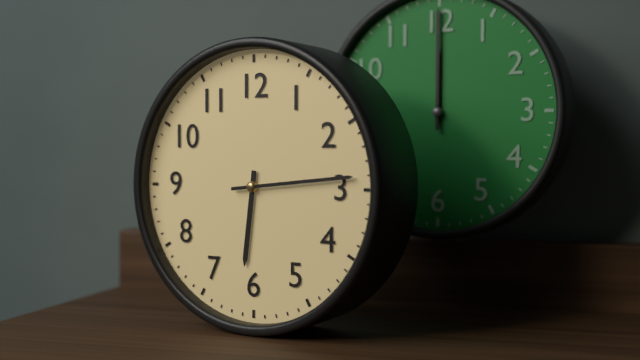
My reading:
**6:14**
